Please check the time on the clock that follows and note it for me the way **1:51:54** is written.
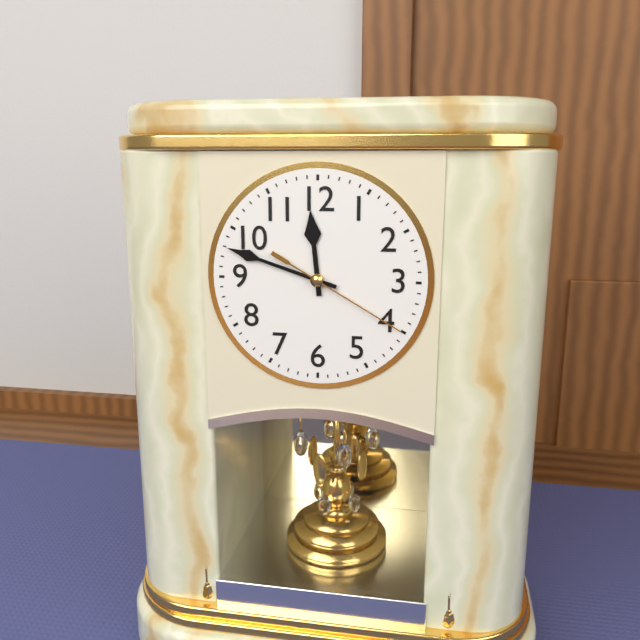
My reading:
**11:48:20**
